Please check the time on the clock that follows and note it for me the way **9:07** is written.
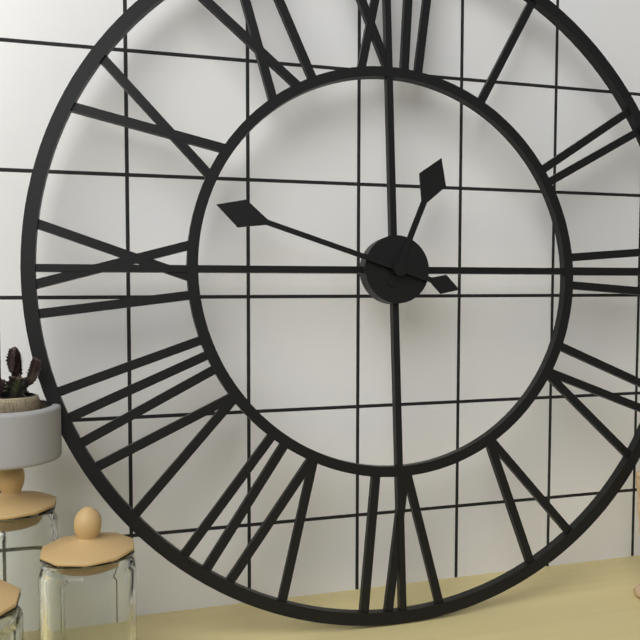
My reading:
**12:48**
